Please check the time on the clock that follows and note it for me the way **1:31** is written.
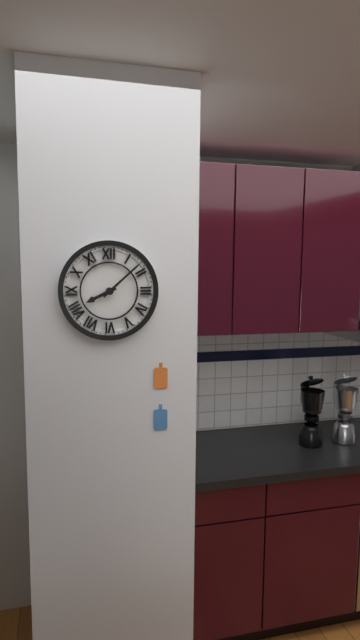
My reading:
**8:08**
